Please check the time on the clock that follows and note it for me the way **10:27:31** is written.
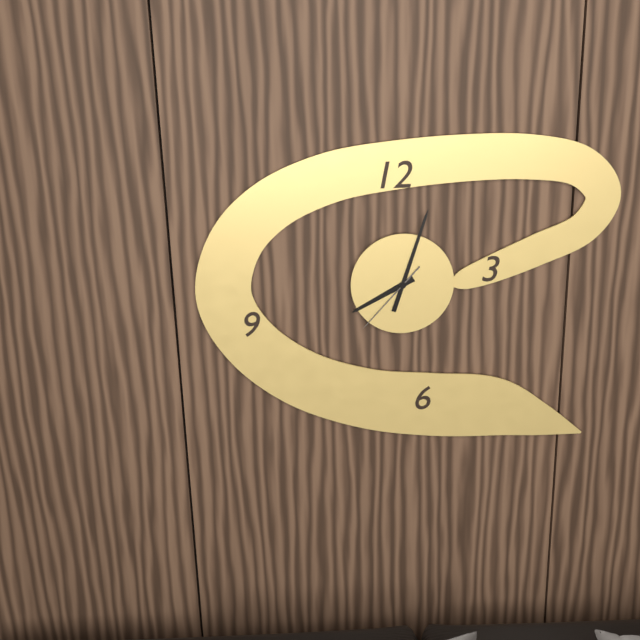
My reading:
**8:03:37**
